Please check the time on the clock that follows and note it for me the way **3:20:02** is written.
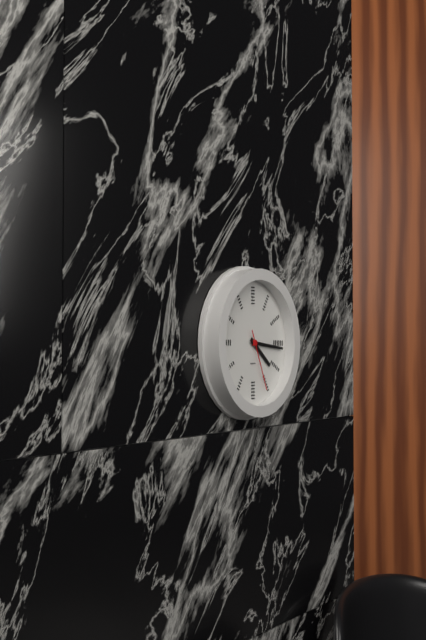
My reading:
**4:16:26**
